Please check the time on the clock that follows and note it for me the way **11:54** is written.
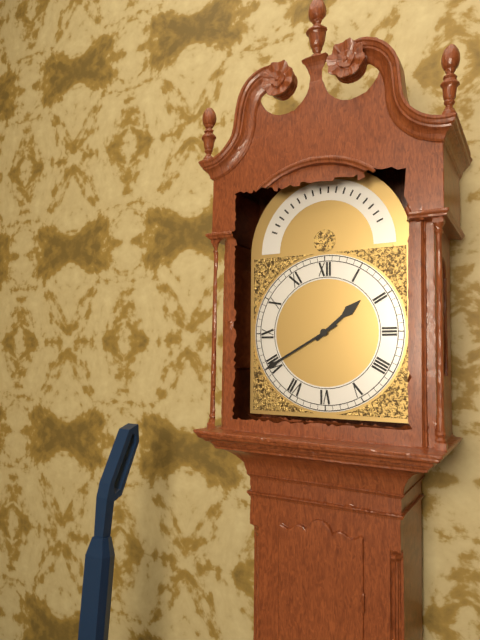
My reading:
**1:40**
